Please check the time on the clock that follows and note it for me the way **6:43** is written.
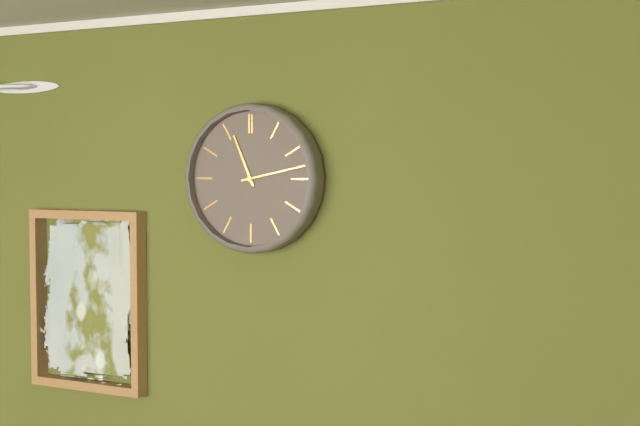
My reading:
**11:13**
